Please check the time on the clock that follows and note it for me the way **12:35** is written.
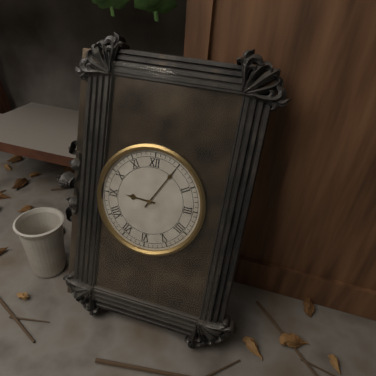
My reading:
**9:05**
